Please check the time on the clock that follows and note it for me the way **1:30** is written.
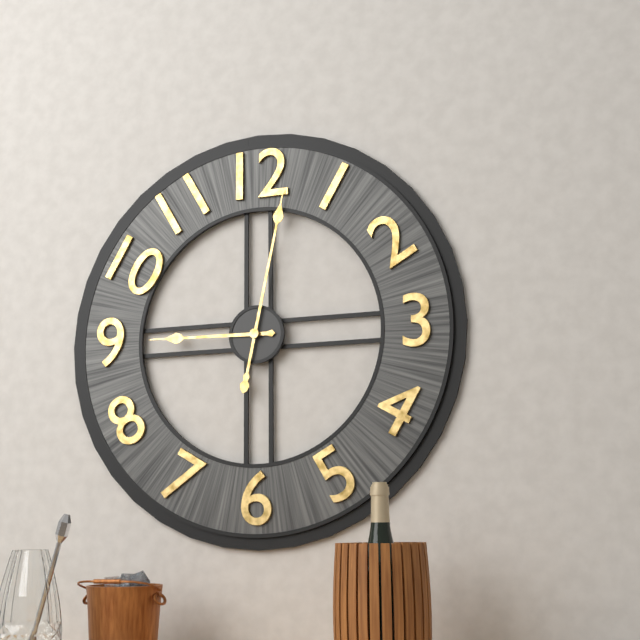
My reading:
**9:02**
